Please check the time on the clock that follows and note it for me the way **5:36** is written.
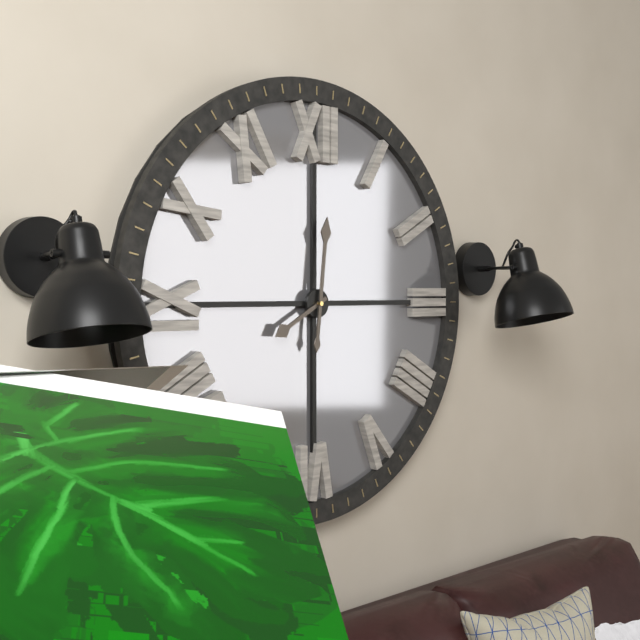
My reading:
**8:01**
